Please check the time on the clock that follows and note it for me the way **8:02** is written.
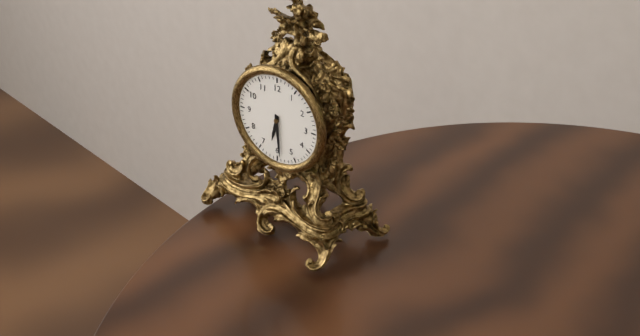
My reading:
**6:29**
